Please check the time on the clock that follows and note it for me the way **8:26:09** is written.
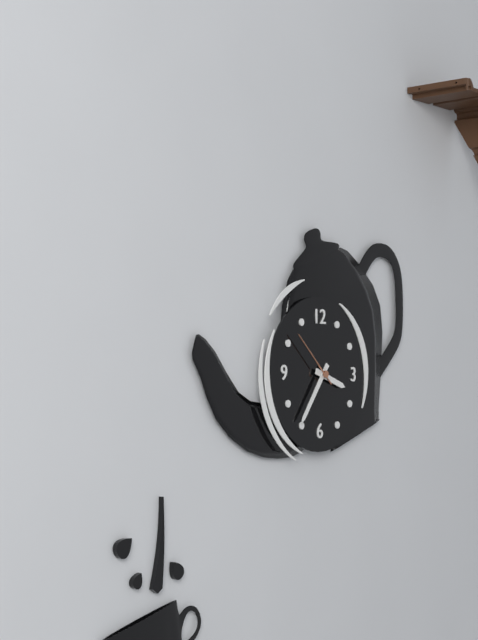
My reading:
**3:36:52**
